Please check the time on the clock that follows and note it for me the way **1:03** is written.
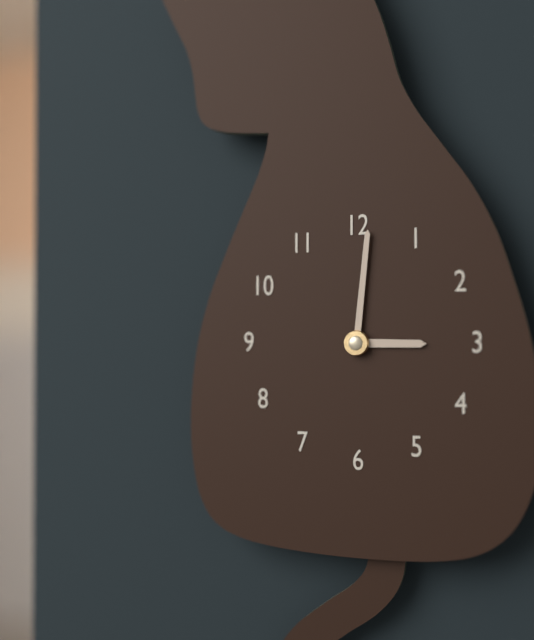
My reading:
**3:01**
